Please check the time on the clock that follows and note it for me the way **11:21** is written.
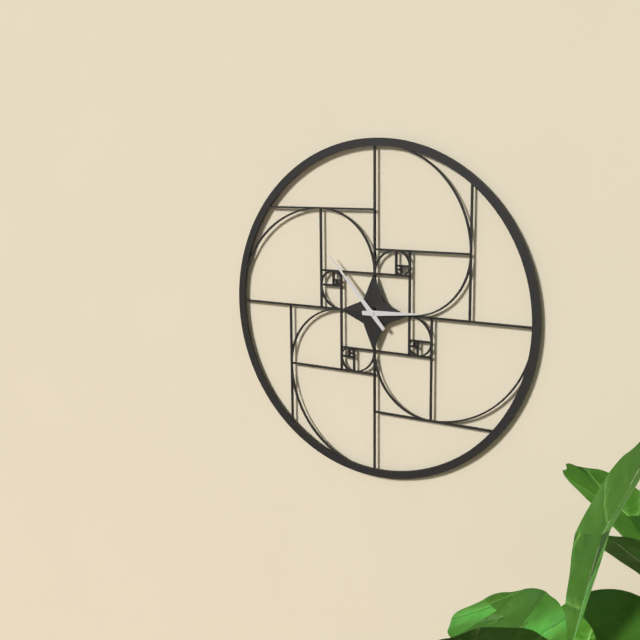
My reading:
**2:53**
